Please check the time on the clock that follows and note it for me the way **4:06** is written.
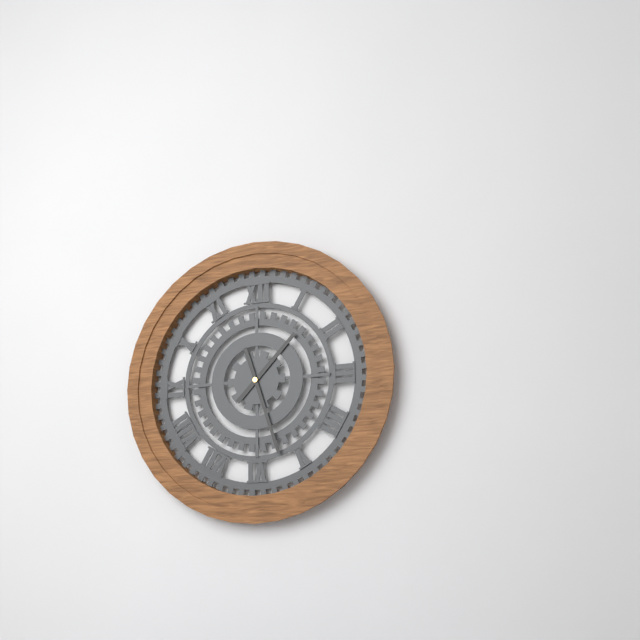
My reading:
**1:27**
